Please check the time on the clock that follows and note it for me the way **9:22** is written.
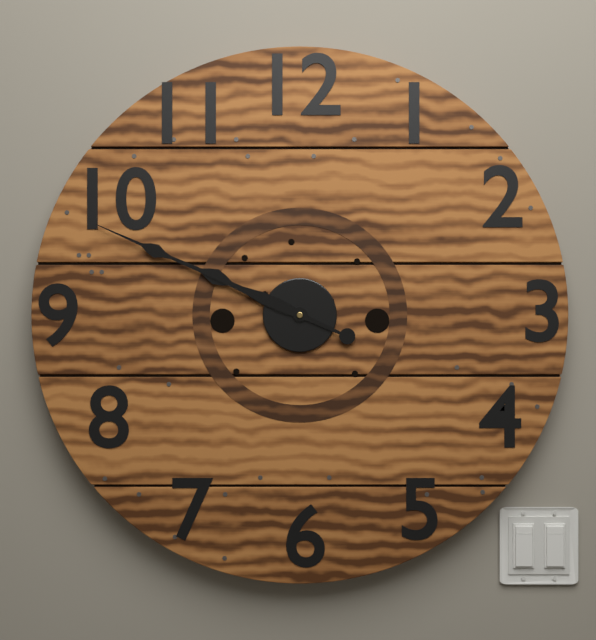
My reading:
**9:49**
